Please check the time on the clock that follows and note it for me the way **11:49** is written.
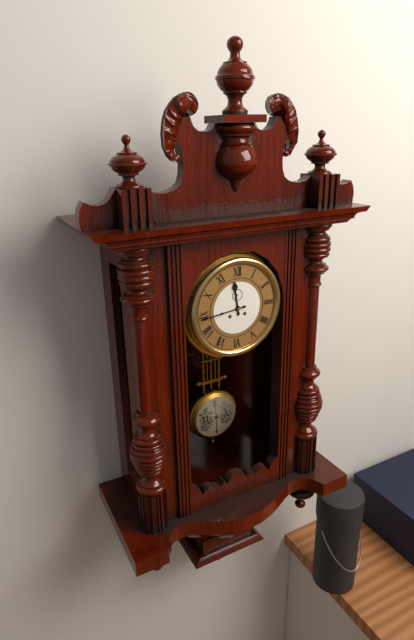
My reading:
**11:44**
